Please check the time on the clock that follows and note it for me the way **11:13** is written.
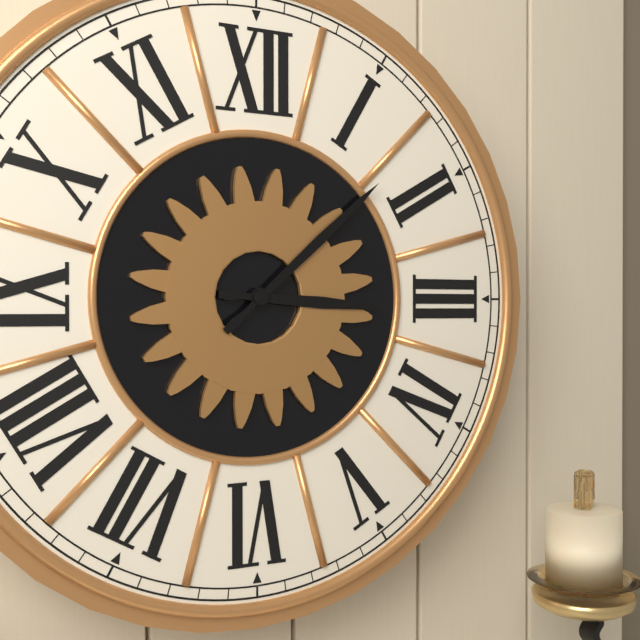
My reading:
**3:08**
